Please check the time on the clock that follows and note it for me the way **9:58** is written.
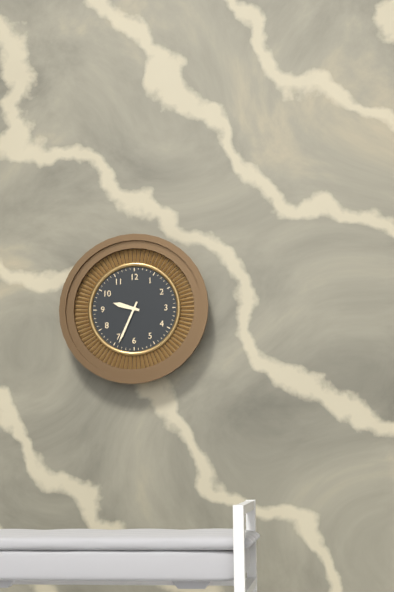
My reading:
**9:34**
